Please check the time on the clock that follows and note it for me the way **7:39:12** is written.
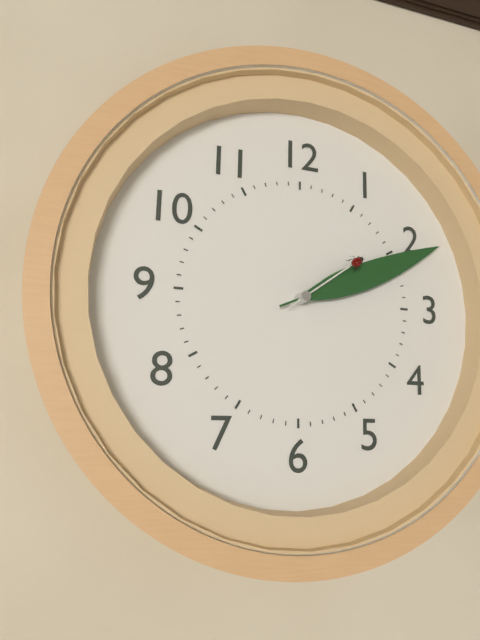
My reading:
**2:11:09**
